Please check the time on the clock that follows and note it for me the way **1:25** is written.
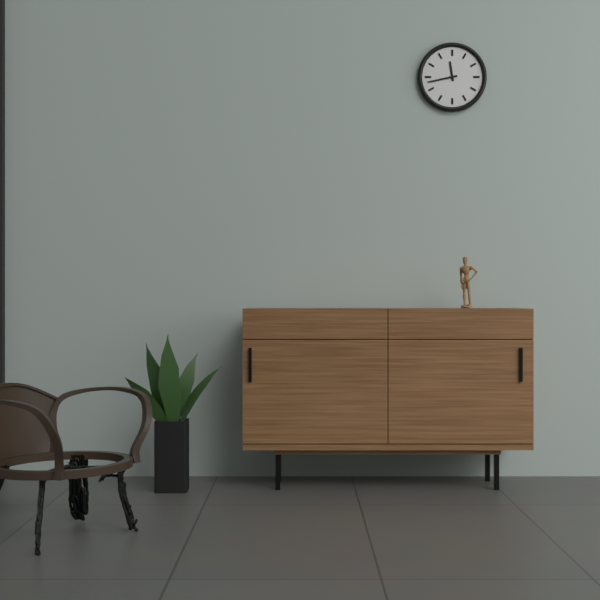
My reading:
**11:43**
